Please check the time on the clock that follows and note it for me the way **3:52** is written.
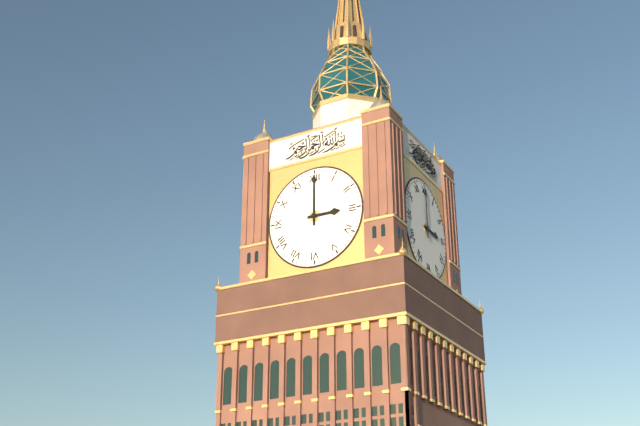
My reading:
**3:00**
